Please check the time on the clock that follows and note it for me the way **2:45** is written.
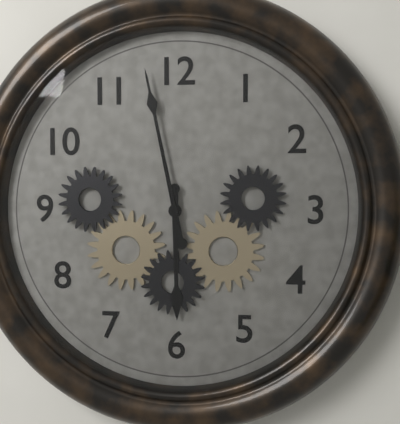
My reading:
**5:58**
